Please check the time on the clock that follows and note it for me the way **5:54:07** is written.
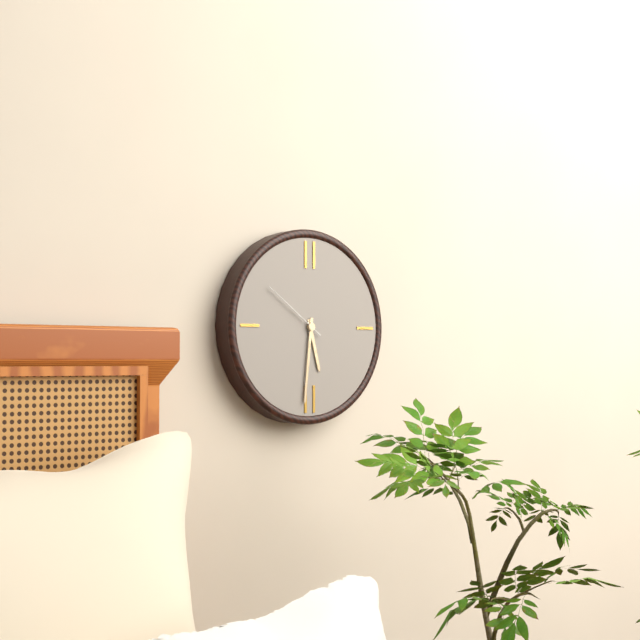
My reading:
**5:31:51**
